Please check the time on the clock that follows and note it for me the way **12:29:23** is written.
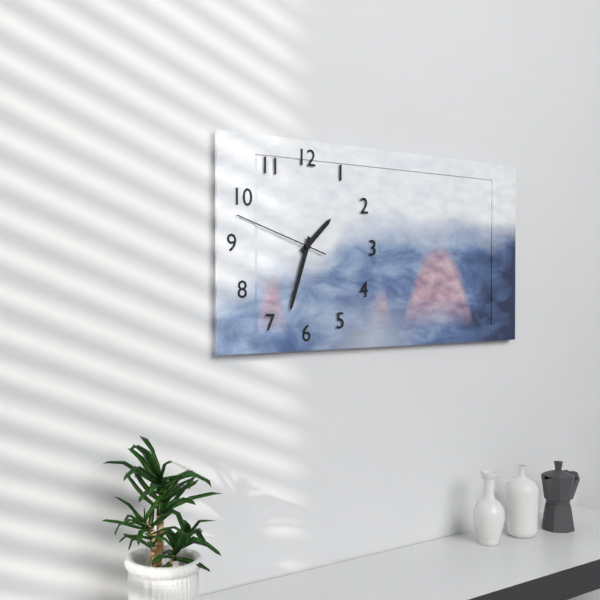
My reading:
**1:33:48**
